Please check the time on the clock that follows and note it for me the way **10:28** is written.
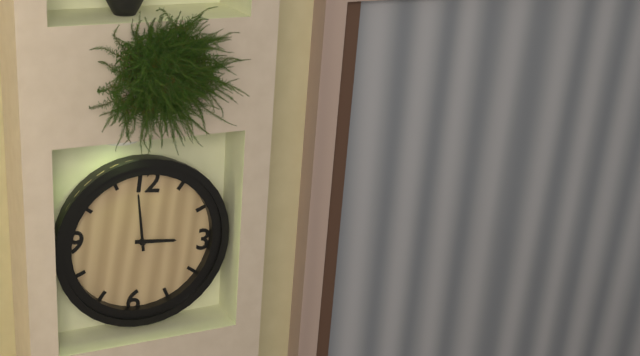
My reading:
**2:58**
